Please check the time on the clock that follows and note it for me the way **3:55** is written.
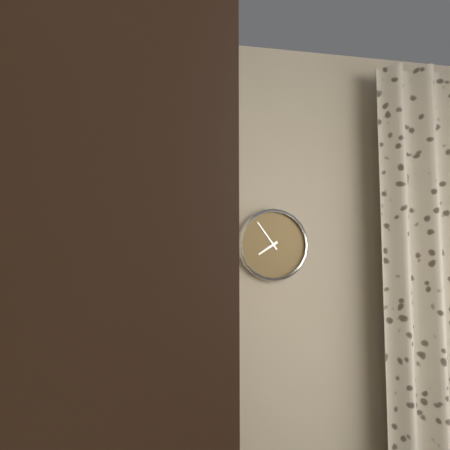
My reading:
**7:54**
